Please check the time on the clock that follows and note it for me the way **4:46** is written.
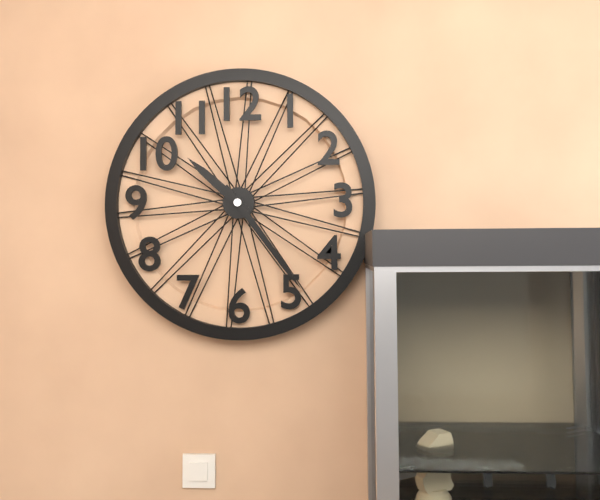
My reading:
**10:24**
